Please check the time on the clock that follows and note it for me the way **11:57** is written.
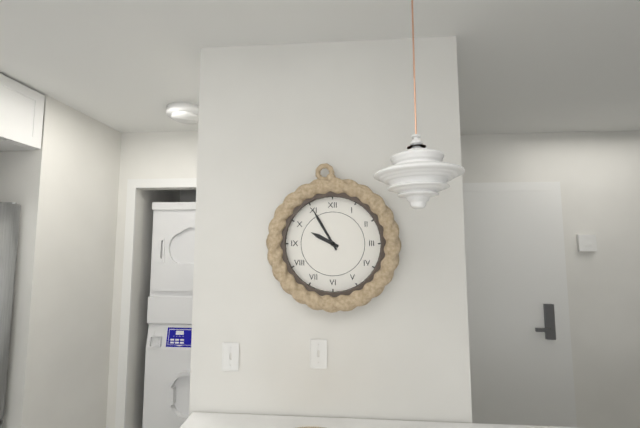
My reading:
**9:55**
